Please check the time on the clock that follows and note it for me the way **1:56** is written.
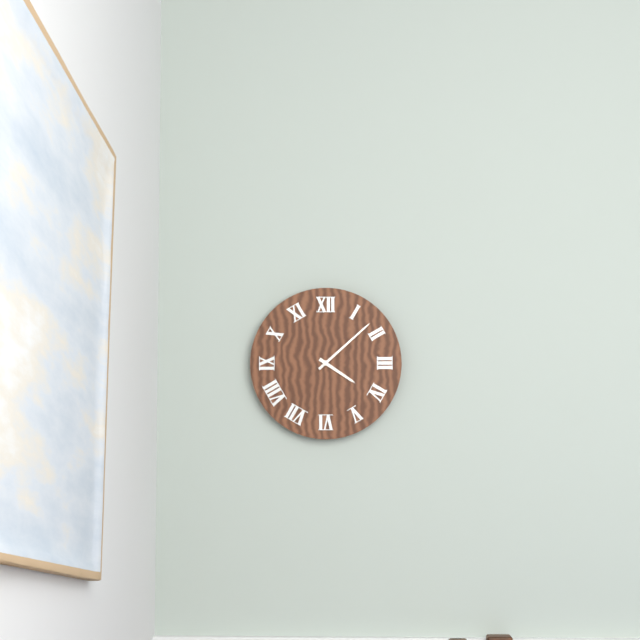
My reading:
**4:08**
